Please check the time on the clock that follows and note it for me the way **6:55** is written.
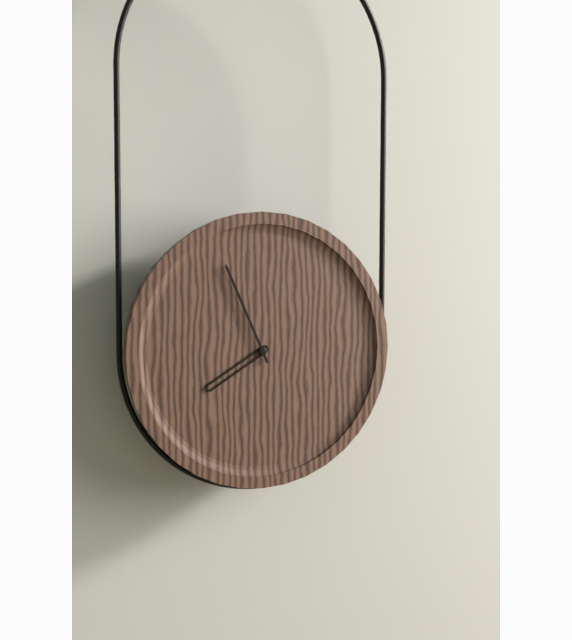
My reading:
**7:56**
